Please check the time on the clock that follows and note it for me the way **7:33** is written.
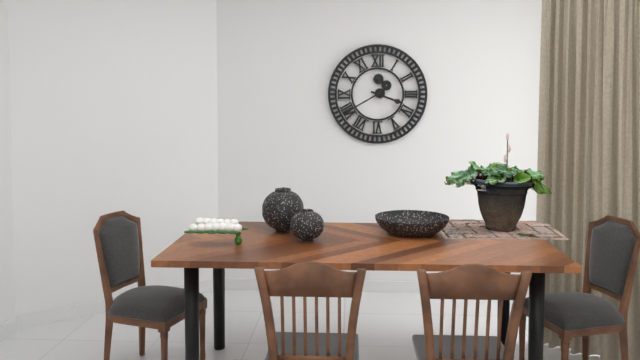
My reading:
**3:40**
